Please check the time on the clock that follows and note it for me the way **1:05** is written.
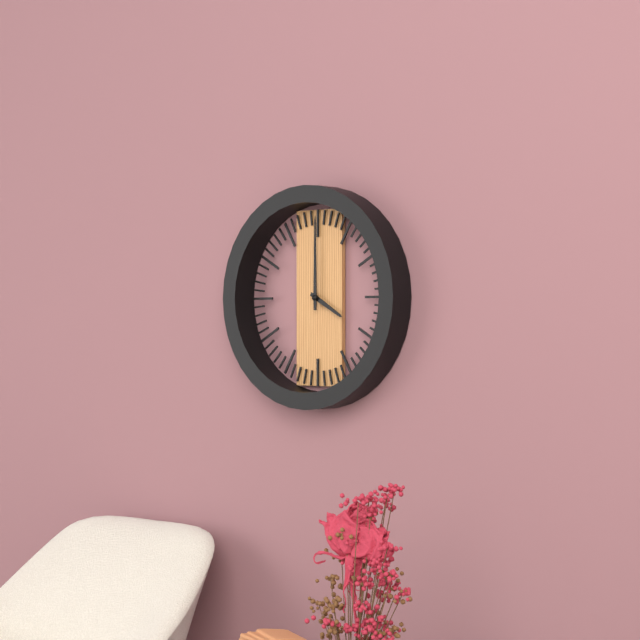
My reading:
**4:00**
